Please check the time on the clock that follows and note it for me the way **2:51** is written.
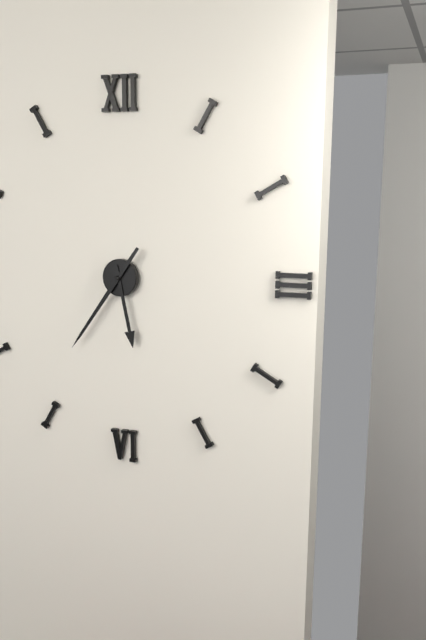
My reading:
**5:36**
